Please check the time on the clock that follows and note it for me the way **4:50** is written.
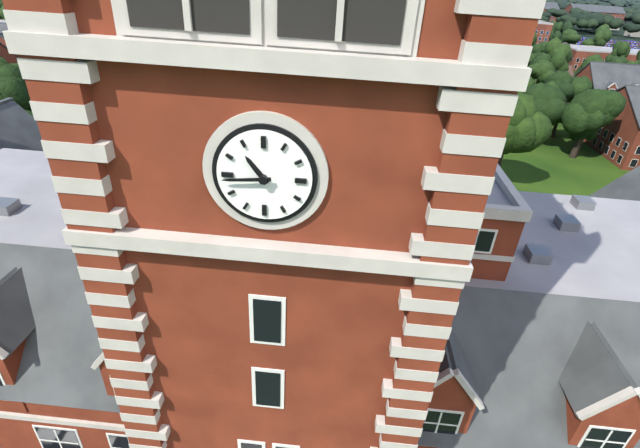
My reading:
**10:44**
